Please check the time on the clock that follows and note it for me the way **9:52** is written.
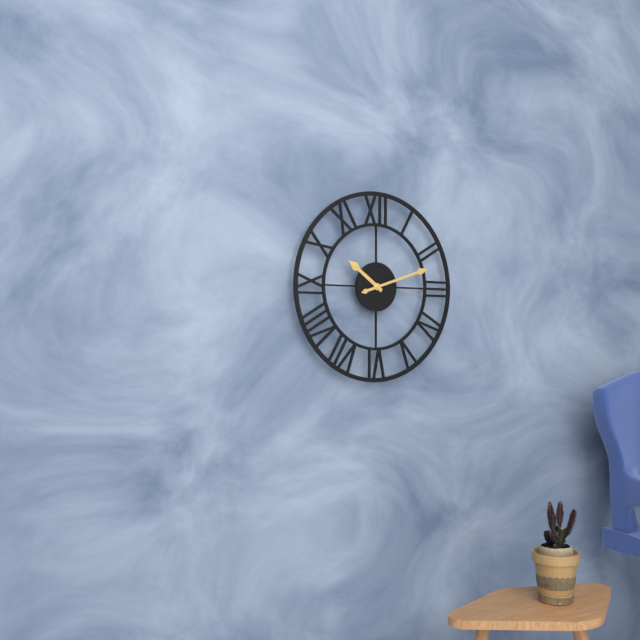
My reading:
**10:12**
